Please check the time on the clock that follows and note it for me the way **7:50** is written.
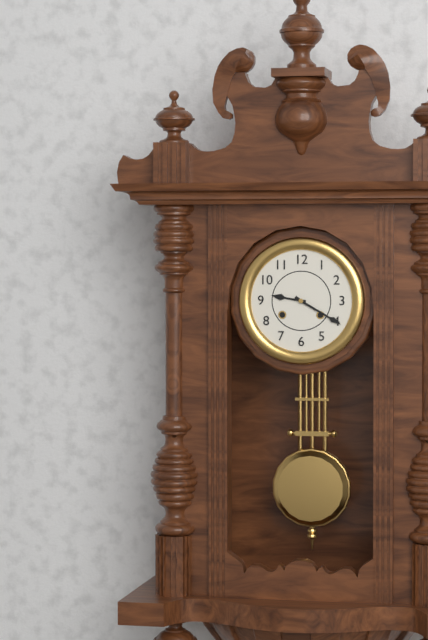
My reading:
**9:20**
